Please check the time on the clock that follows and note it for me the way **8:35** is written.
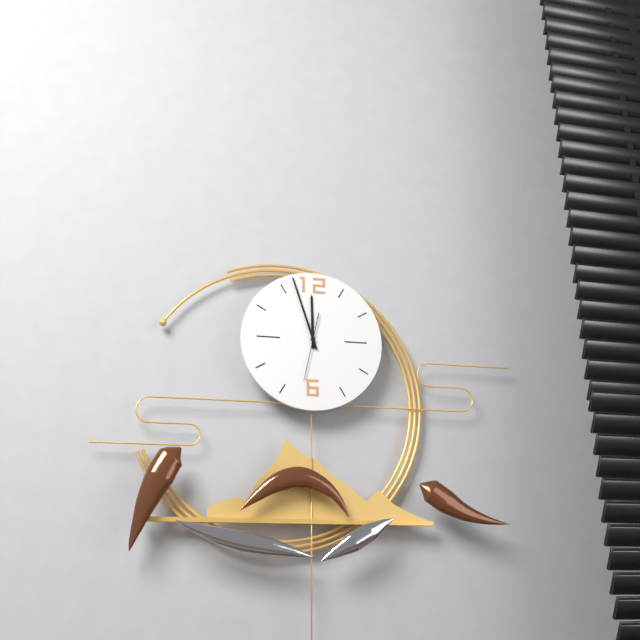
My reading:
**11:57**
